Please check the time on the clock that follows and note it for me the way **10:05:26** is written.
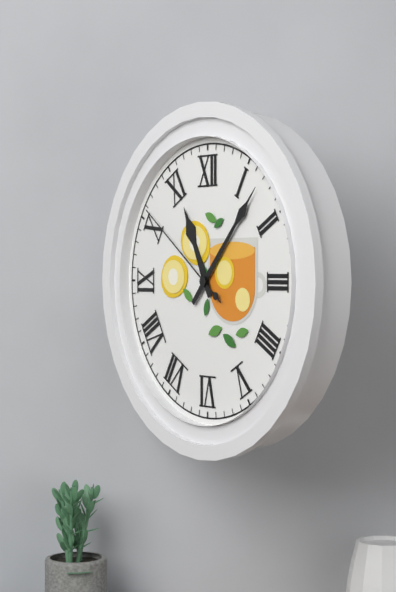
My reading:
**11:07:51**
